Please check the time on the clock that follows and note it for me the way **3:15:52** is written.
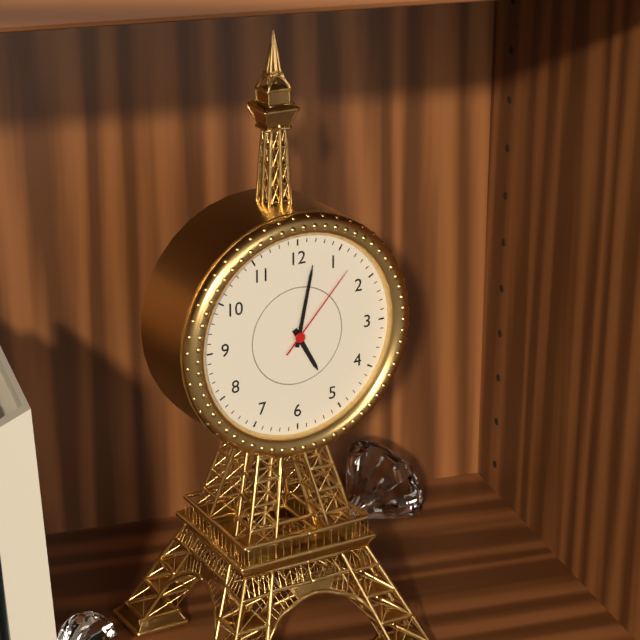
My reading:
**5:02:07**
